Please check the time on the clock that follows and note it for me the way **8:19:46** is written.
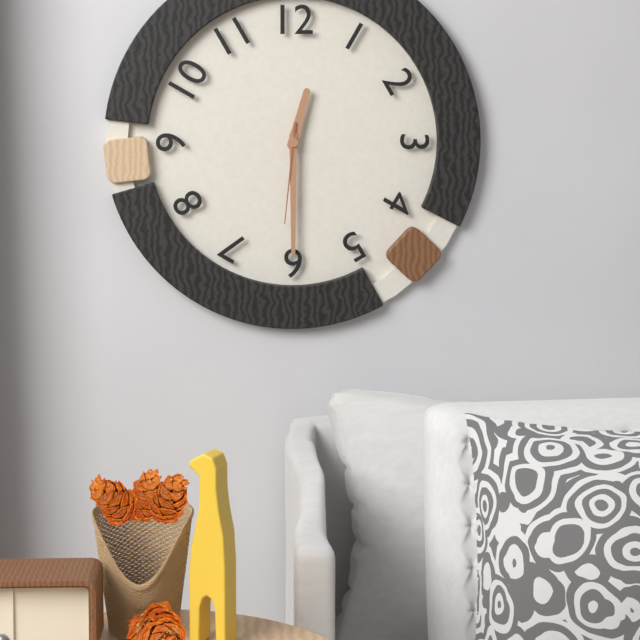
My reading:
**12:30:31**
